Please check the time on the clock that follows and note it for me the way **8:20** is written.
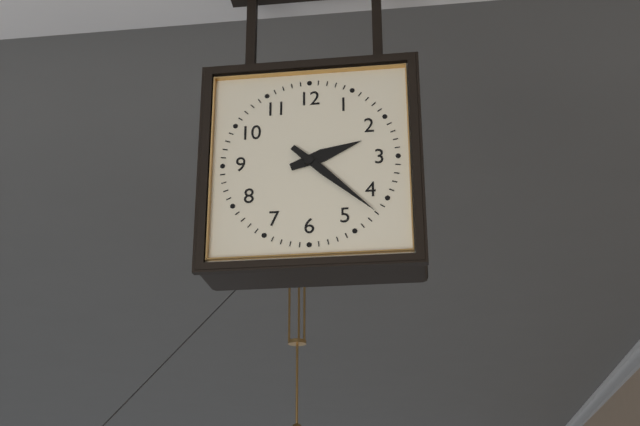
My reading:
**2:22**
